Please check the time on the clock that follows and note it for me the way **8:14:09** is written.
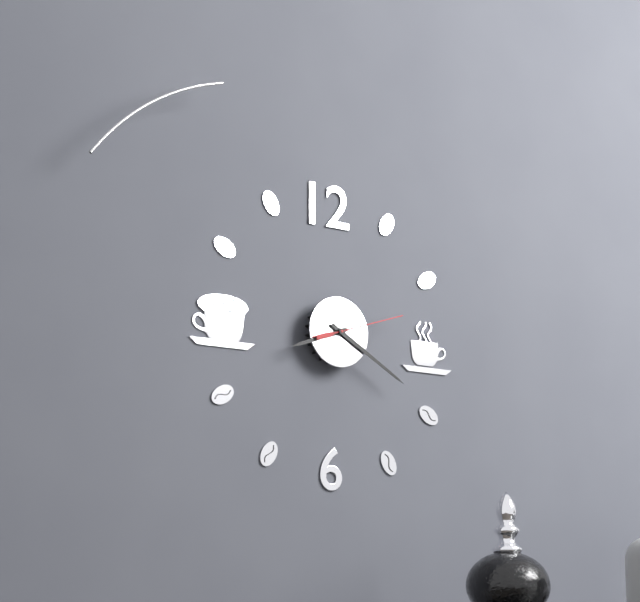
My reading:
**8:20:12**
